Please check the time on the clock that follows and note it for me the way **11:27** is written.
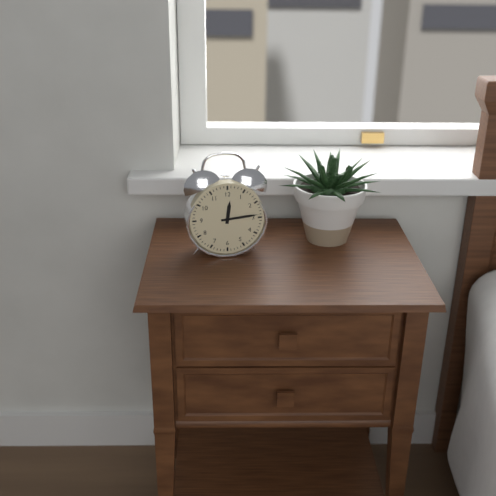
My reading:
**12:14**
